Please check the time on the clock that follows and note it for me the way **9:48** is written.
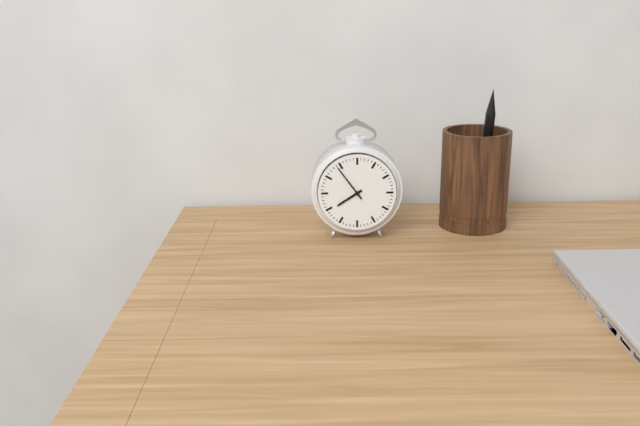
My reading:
**7:54**
